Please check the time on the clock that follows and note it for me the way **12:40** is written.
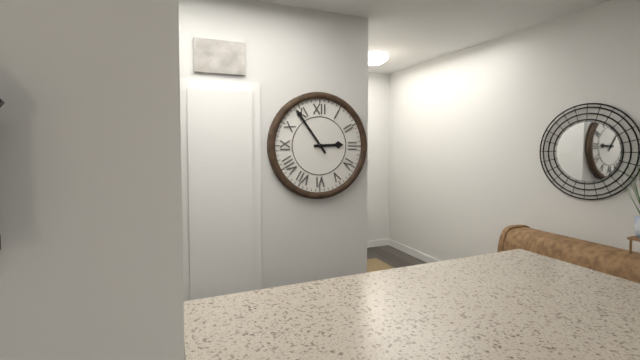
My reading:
**2:54**
